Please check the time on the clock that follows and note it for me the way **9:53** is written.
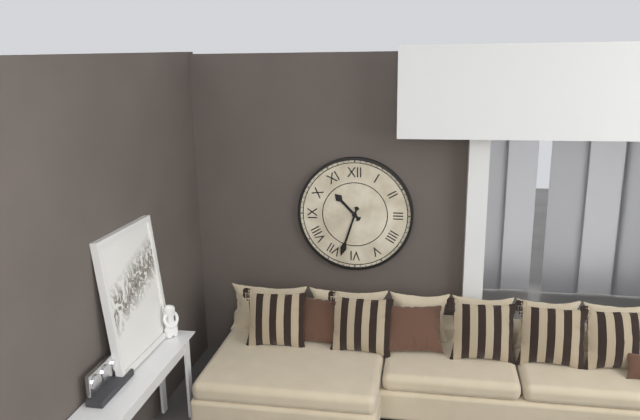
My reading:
**10:33**
